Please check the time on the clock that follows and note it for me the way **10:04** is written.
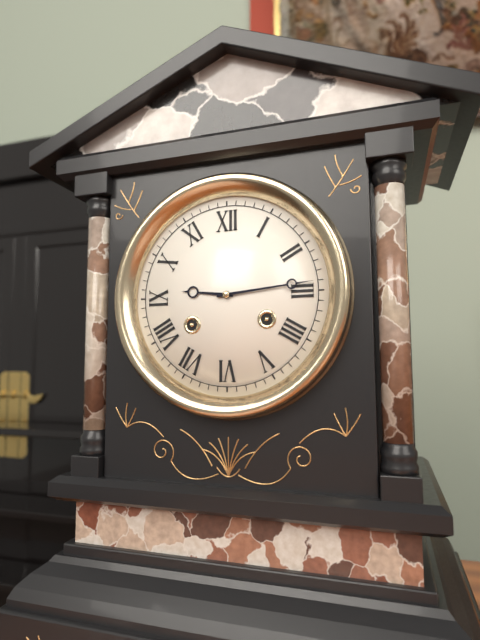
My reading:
**9:14**
